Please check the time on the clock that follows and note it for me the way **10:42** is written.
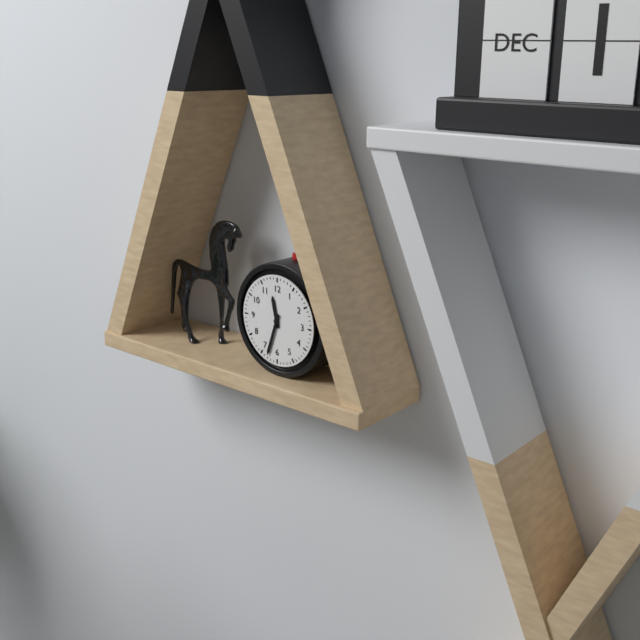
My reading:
**11:33**
